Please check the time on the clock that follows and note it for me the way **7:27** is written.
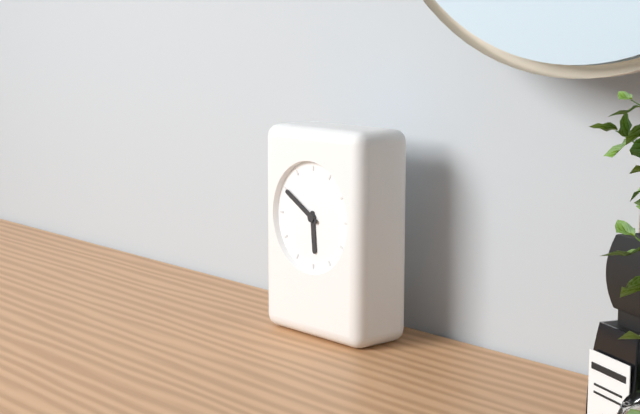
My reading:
**5:50**
